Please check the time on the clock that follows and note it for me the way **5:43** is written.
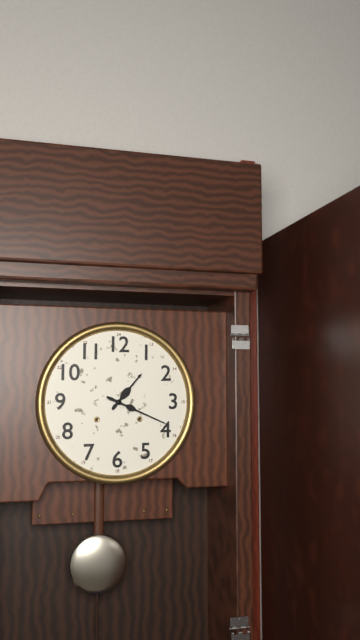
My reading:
**1:19**
